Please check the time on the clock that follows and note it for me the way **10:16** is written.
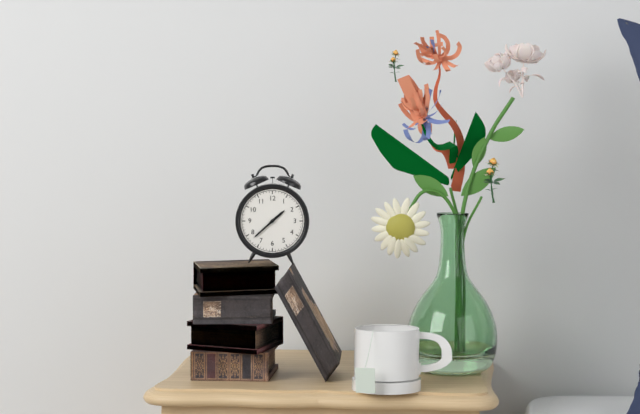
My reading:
**1:38**
